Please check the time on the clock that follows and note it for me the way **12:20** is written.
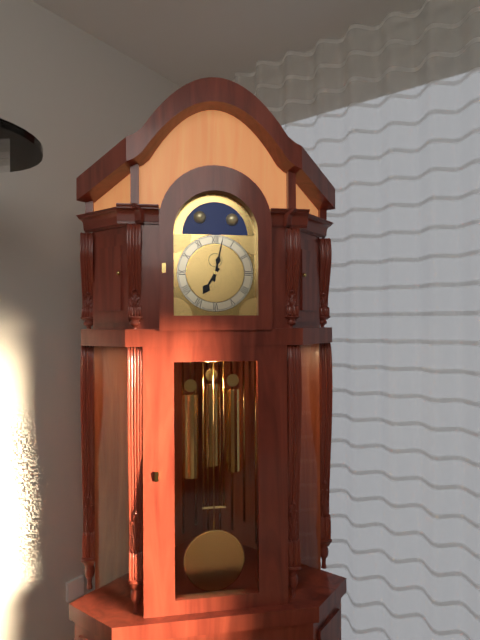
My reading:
**7:02**
